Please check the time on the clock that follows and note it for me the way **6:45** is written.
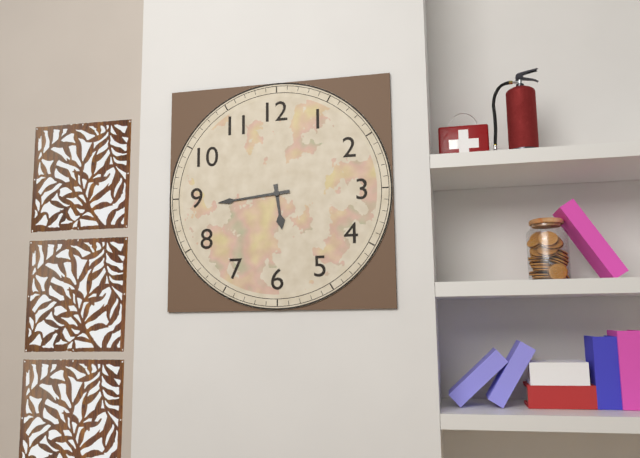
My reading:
**5:44**
